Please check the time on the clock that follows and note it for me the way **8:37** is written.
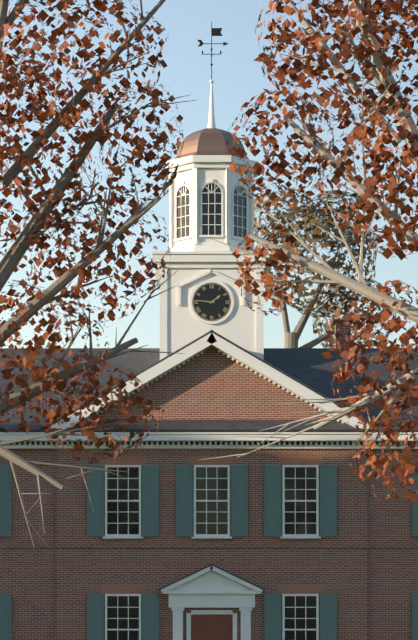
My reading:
**1:46**
